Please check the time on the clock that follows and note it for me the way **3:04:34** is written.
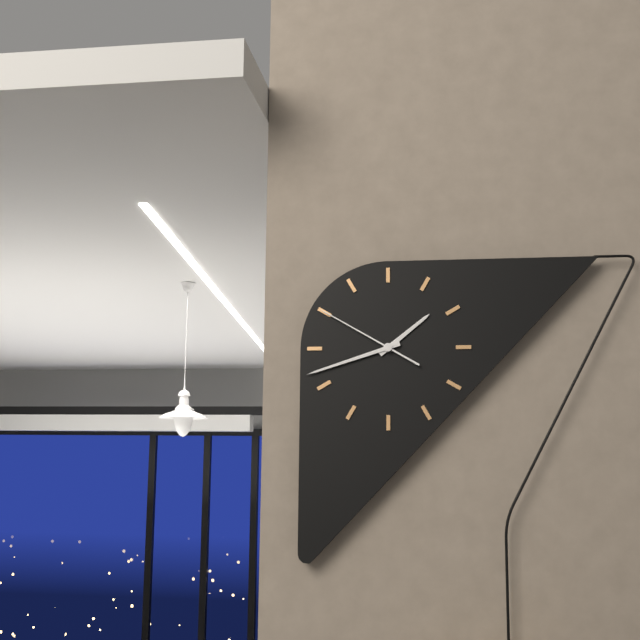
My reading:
**1:42:50**
